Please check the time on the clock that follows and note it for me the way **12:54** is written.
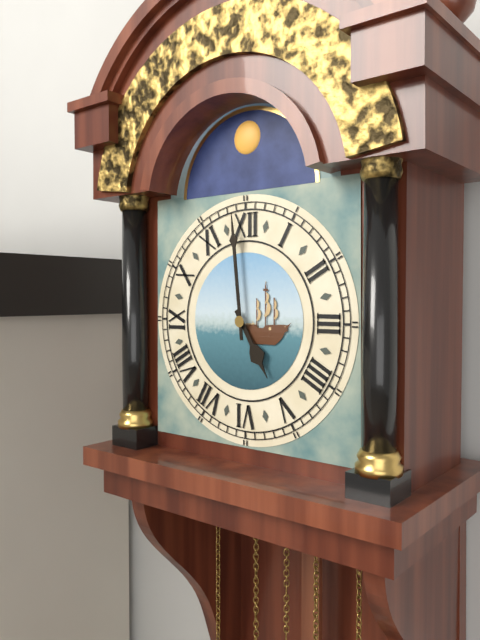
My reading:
**4:59**
